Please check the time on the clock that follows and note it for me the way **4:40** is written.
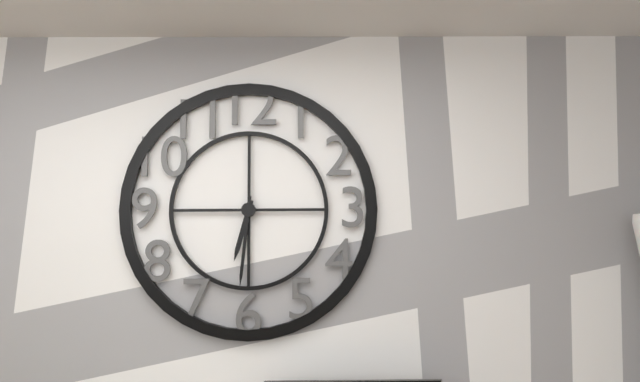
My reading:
**6:31**
